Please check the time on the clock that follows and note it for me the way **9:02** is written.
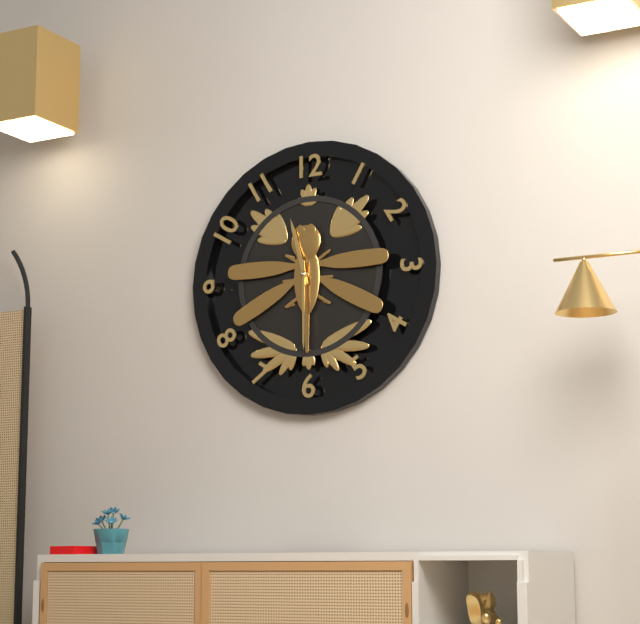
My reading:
**11:30**
